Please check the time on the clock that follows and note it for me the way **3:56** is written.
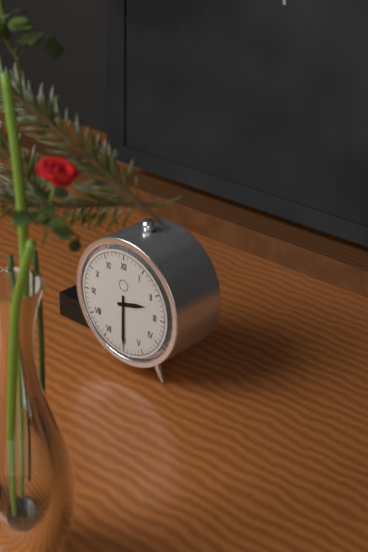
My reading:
**2:30**
